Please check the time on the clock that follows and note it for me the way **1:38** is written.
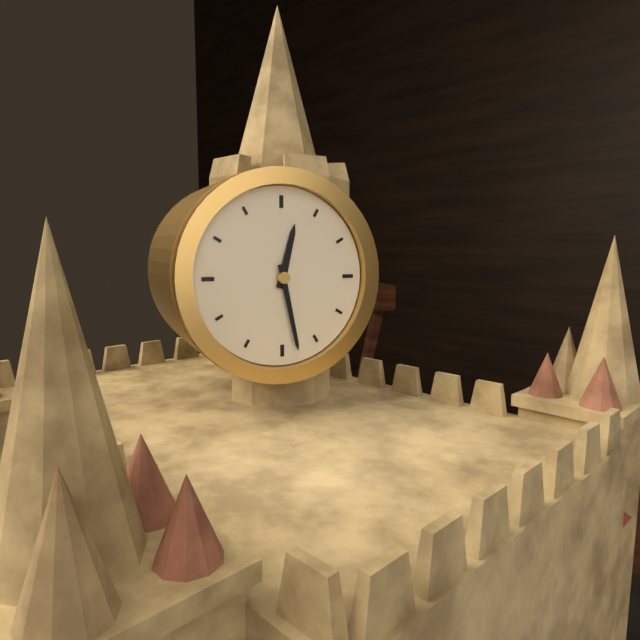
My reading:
**12:28**
